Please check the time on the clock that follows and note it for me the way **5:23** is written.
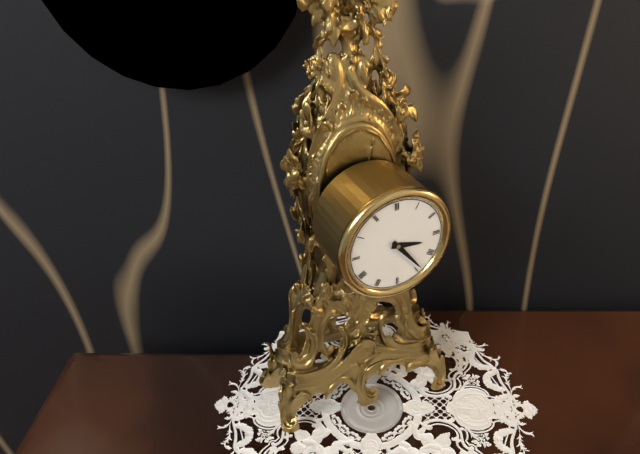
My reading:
**3:24**
